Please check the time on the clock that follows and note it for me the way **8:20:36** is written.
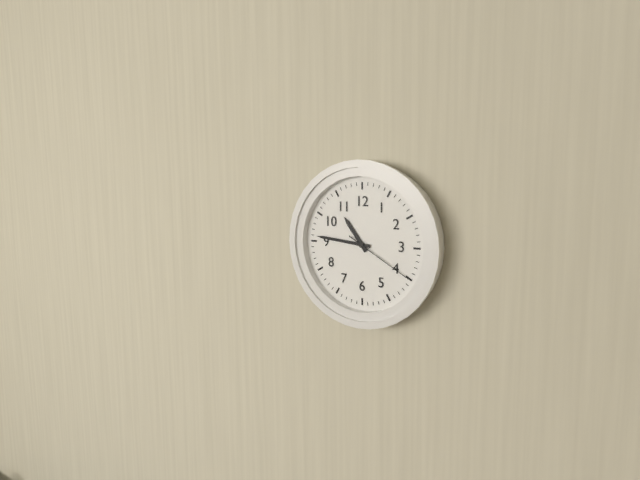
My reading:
**10:46:20**
